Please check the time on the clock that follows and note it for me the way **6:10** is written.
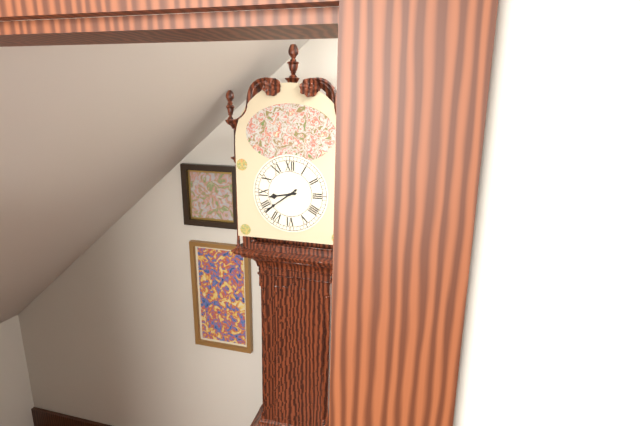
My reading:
**8:39**
